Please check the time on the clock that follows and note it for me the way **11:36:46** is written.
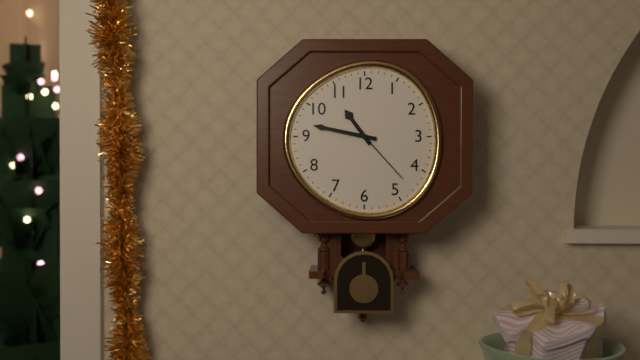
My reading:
**10:47:23**
